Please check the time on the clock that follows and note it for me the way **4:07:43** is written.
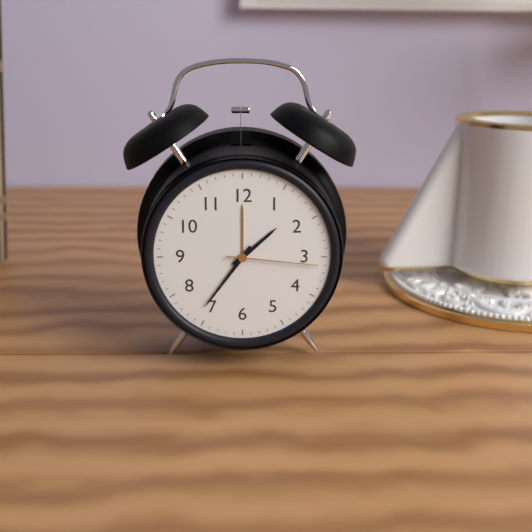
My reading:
**1:36:16**
